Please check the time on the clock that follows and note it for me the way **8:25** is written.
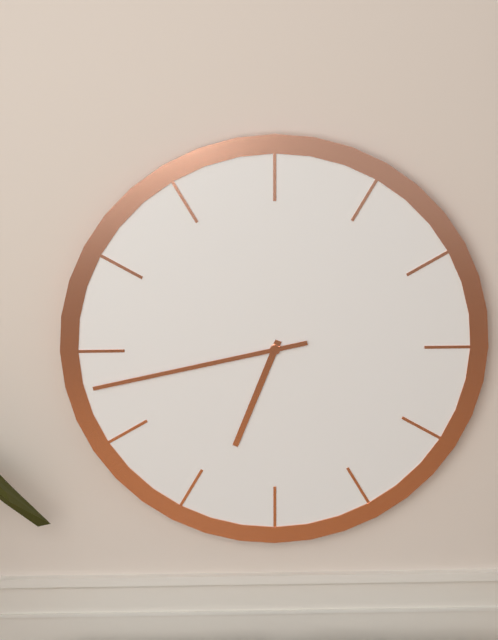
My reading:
**6:43**
